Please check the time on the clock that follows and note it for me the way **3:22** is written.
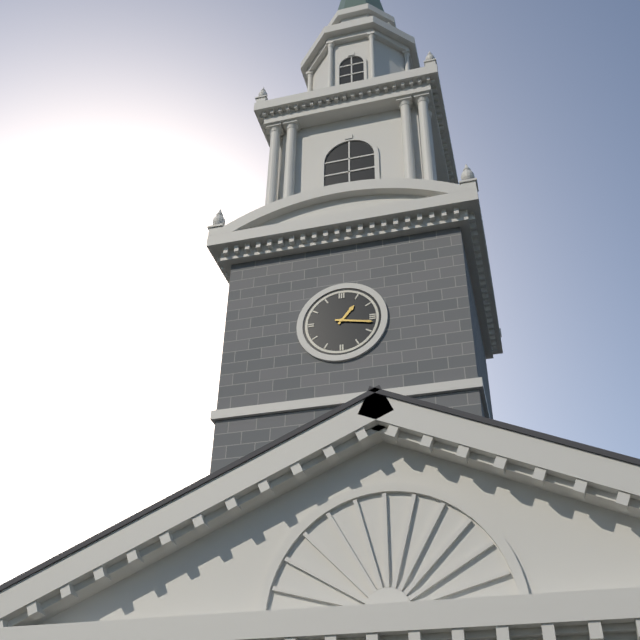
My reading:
**1:17**
